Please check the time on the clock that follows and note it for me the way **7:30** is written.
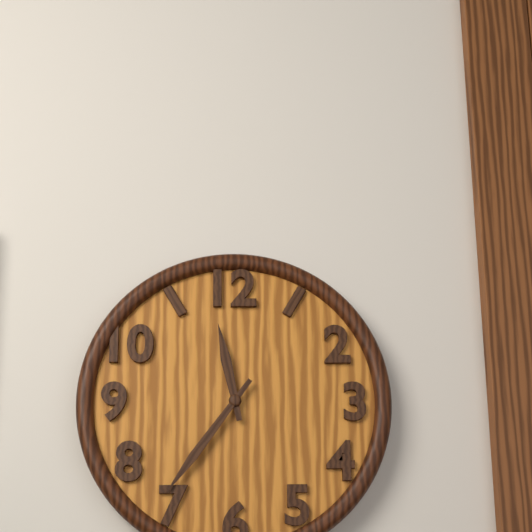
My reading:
**11:36**
